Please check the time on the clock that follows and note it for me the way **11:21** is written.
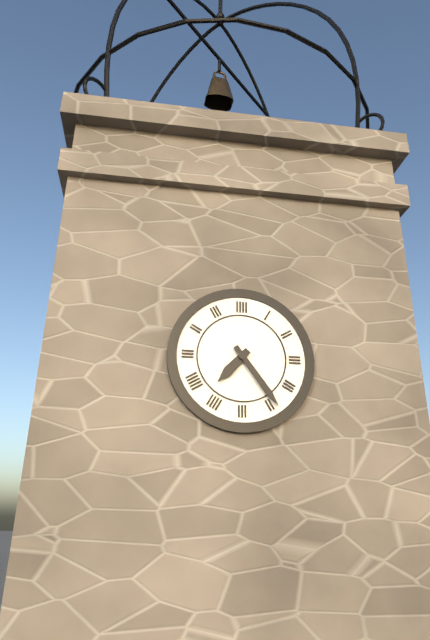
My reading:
**7:24**
